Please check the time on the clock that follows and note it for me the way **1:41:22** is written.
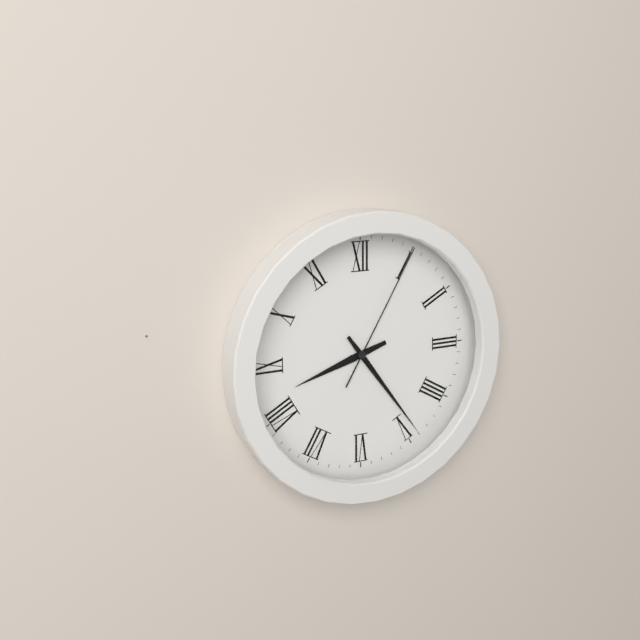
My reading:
**8:24:05**
